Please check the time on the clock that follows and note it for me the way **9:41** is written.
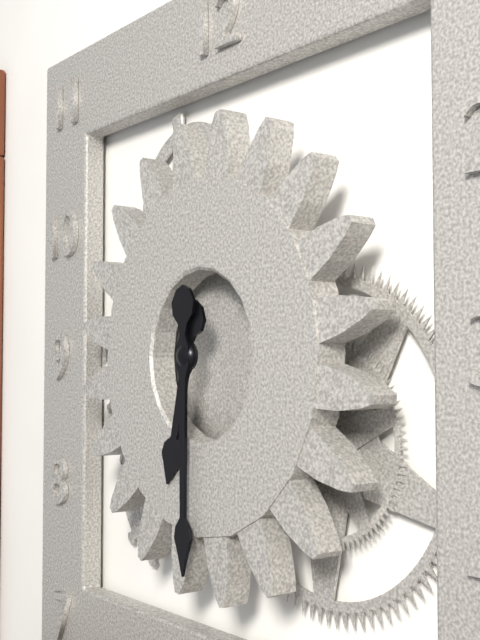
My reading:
**6:30**
